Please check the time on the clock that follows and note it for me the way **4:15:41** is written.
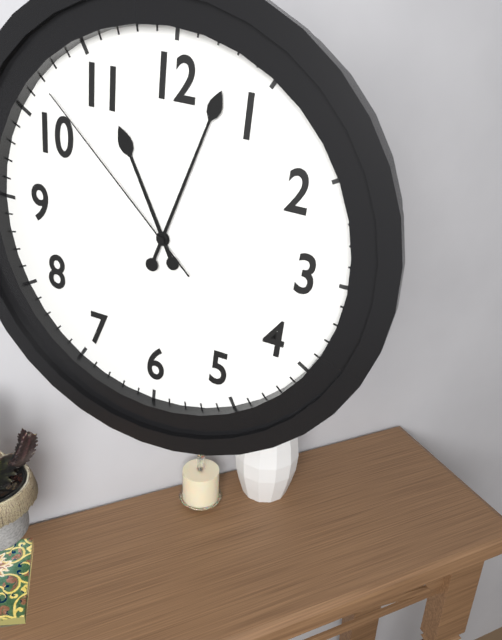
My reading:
**11:03:52**
